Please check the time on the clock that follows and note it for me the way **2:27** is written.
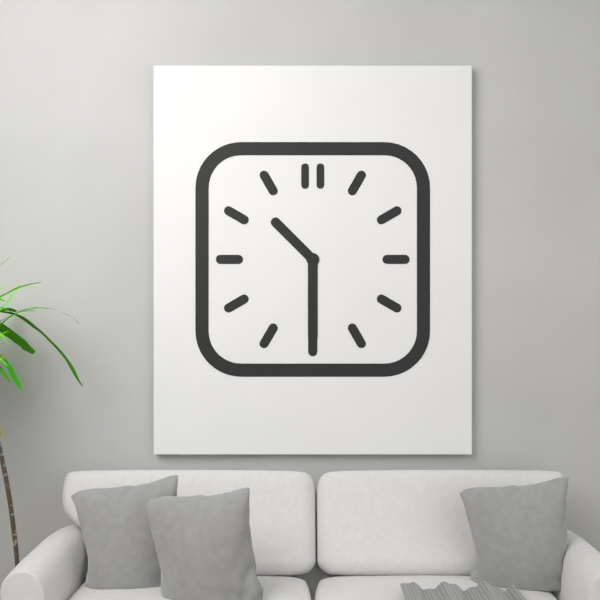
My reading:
**10:30**
